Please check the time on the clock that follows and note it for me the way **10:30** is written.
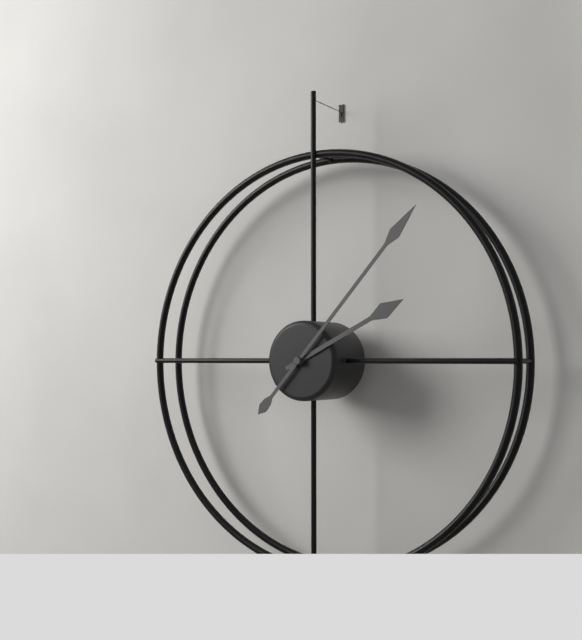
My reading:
**2:07**
